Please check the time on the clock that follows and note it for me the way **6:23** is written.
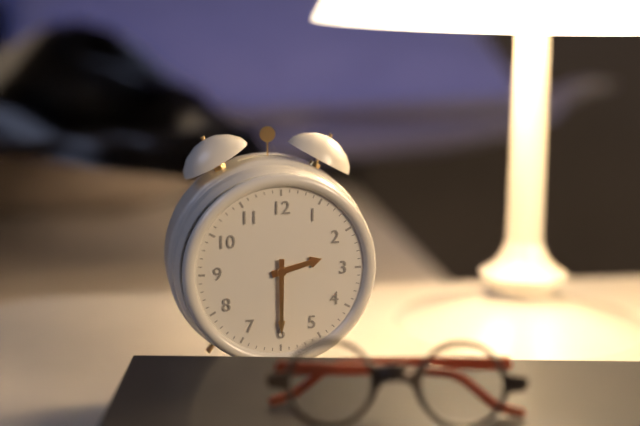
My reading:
**2:30**
